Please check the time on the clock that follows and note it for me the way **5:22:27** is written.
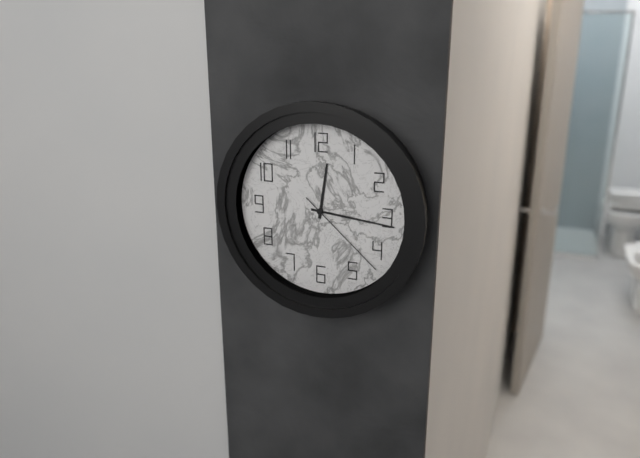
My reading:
**12:16:22**
